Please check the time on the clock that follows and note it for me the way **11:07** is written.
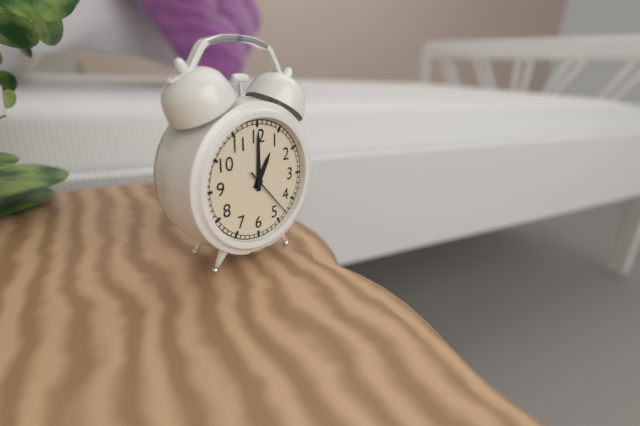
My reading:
**1:00**
